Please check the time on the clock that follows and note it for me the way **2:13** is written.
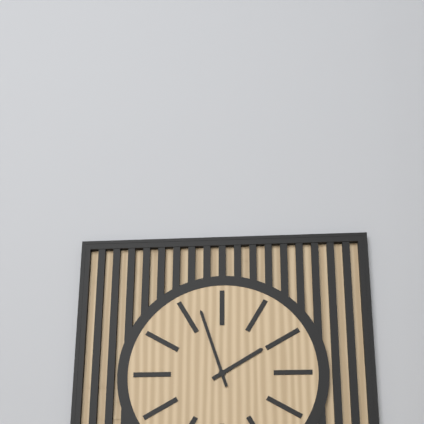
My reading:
**1:57**
